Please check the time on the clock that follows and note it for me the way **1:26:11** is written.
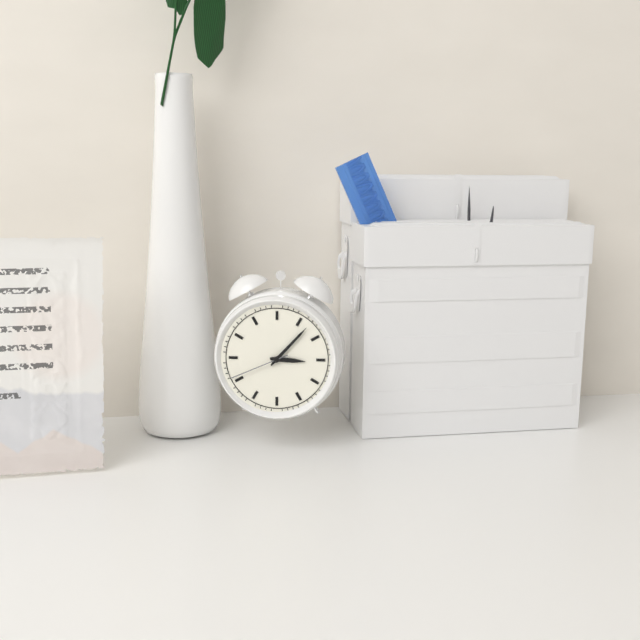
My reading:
**3:07:41**
